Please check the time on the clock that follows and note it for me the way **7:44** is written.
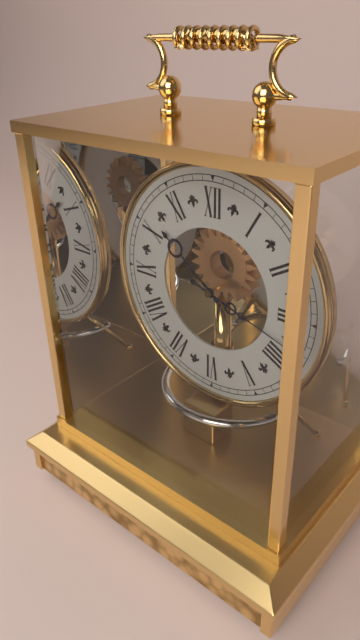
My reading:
**10:18**
